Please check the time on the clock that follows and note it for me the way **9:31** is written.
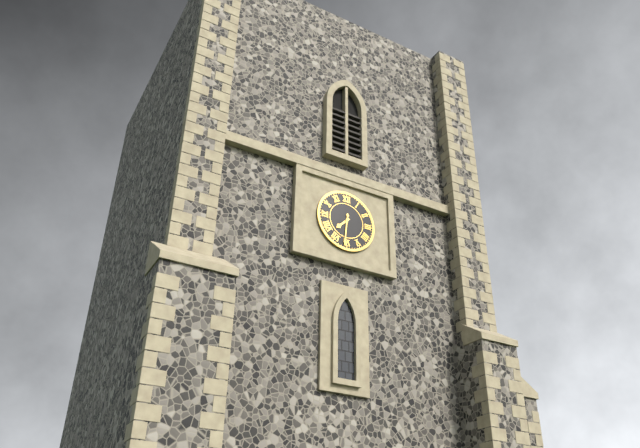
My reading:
**7:31**
